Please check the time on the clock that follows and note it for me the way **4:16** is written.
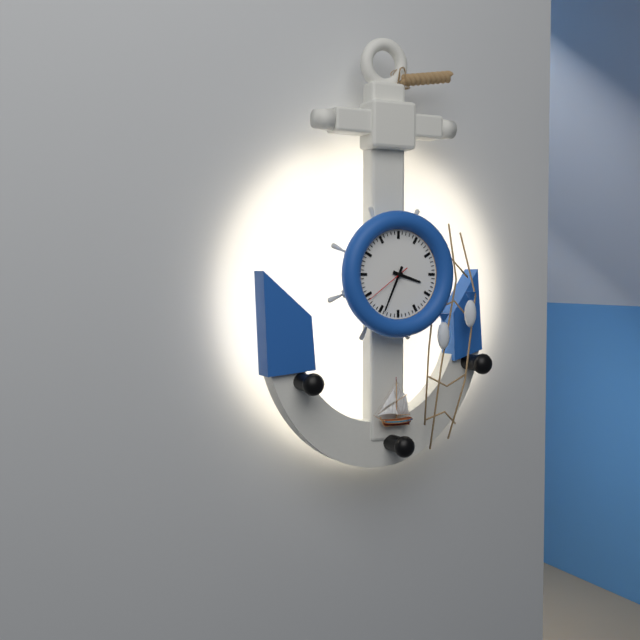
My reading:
**3:34**
